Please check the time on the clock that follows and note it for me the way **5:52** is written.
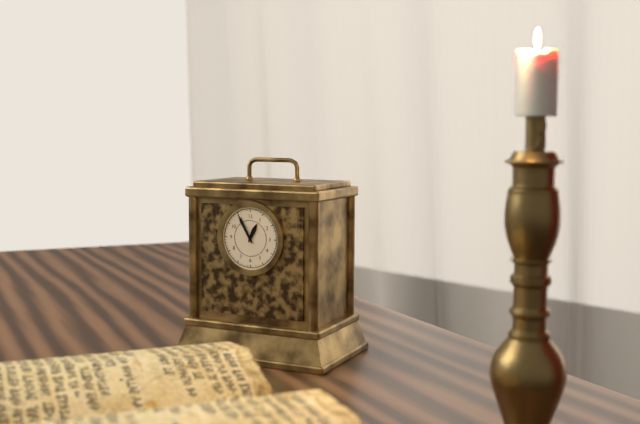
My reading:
**12:55**
